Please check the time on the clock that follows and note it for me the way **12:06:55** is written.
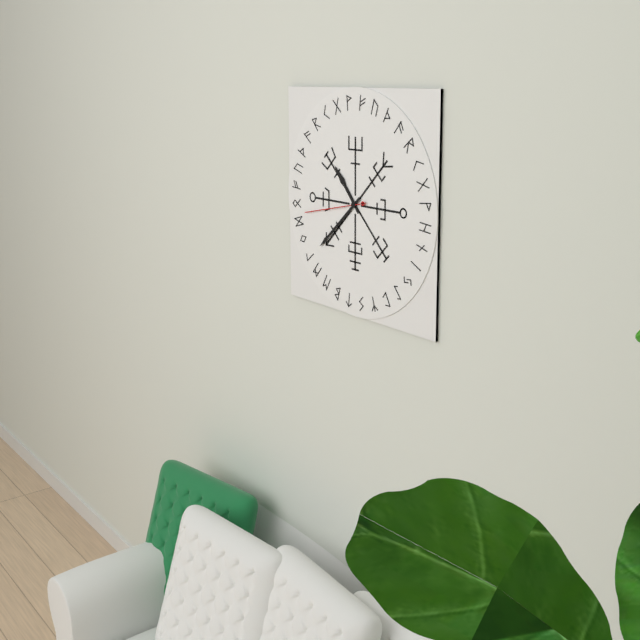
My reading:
**10:38:43**
